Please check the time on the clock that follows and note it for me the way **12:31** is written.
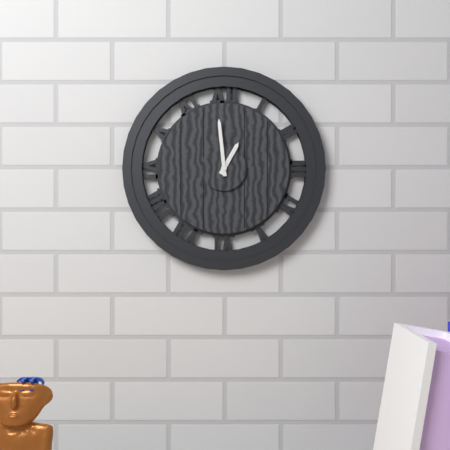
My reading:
**12:59**
